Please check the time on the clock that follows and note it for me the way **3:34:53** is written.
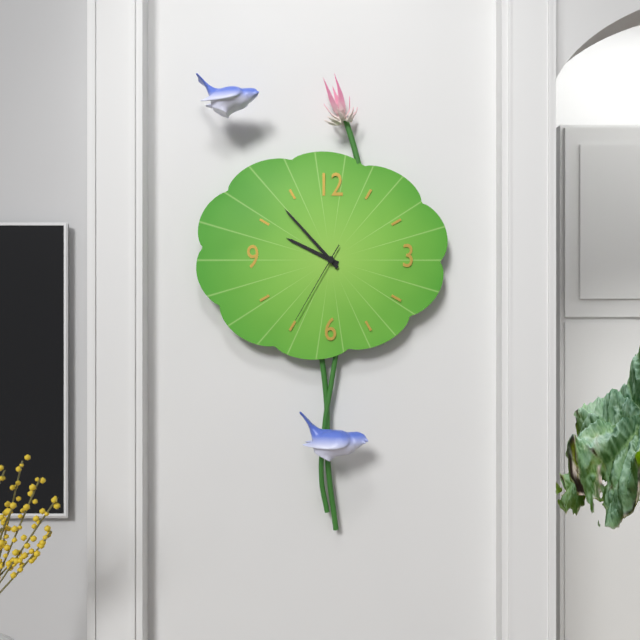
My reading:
**9:53:35**
